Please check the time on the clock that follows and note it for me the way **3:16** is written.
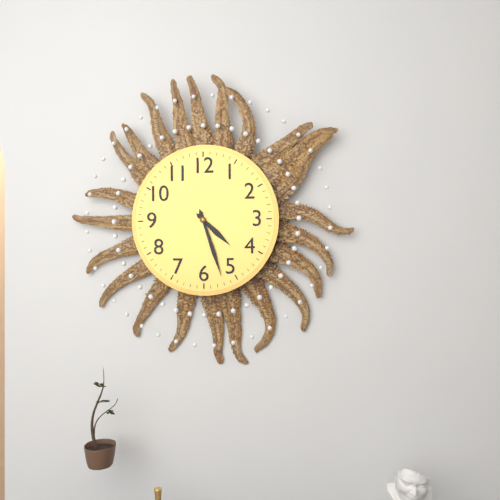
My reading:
**4:27**
